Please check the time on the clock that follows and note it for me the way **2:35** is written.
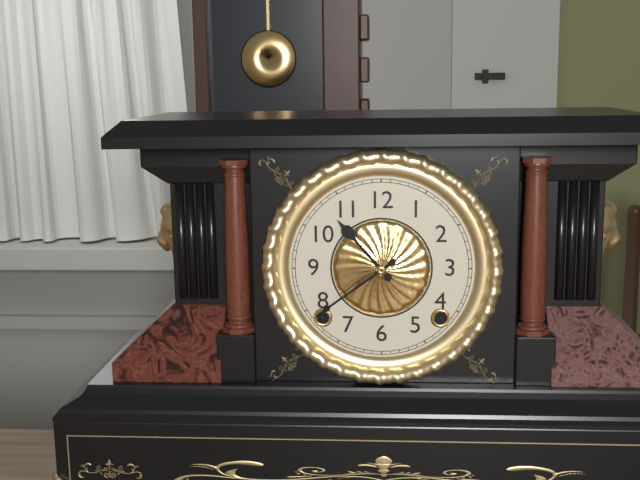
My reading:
**10:39**
